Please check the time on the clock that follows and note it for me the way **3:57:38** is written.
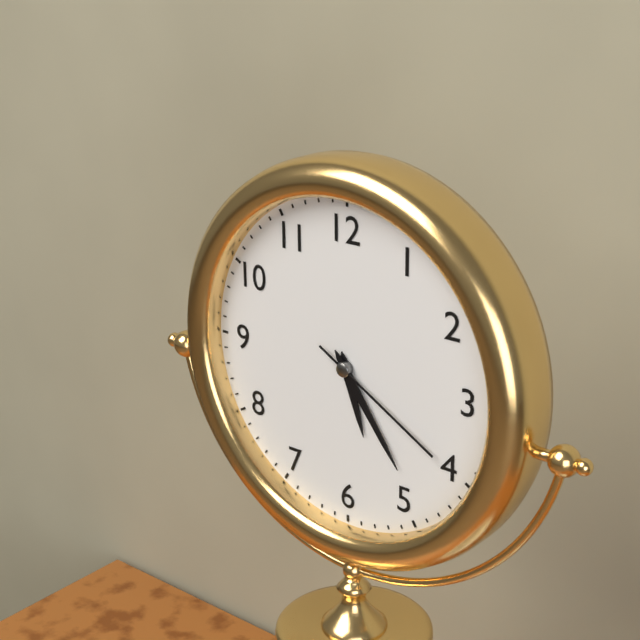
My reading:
**5:24:20**
